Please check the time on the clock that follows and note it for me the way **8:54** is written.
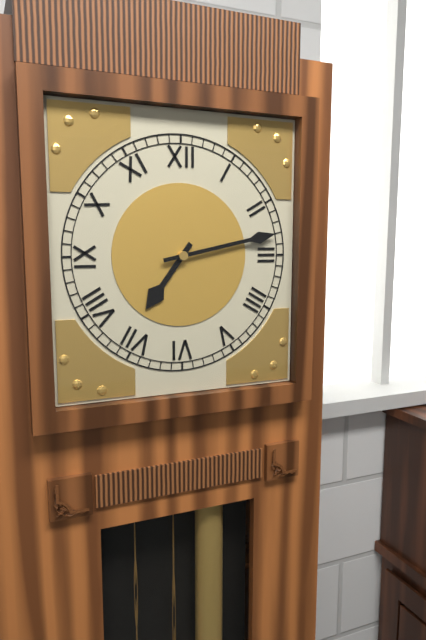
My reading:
**7:13**
